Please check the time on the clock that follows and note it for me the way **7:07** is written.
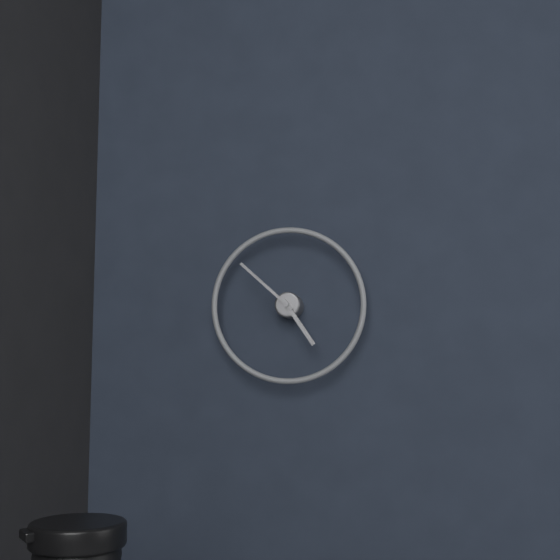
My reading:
**4:52**
